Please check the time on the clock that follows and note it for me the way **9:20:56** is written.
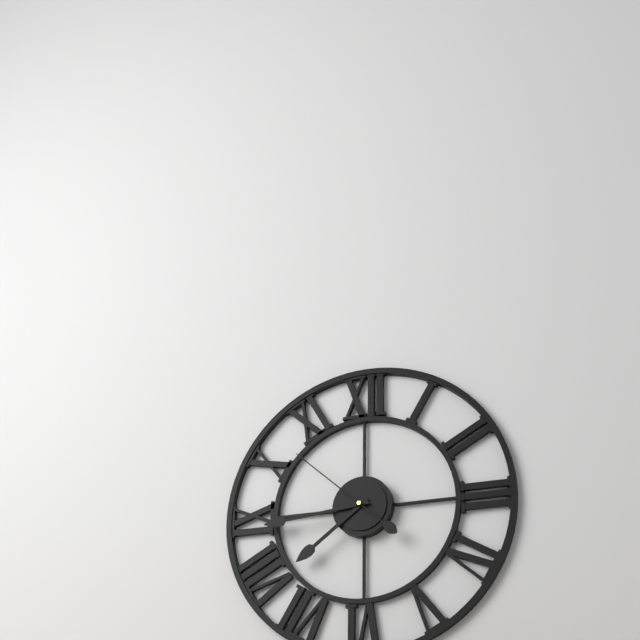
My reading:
**7:44:52**
